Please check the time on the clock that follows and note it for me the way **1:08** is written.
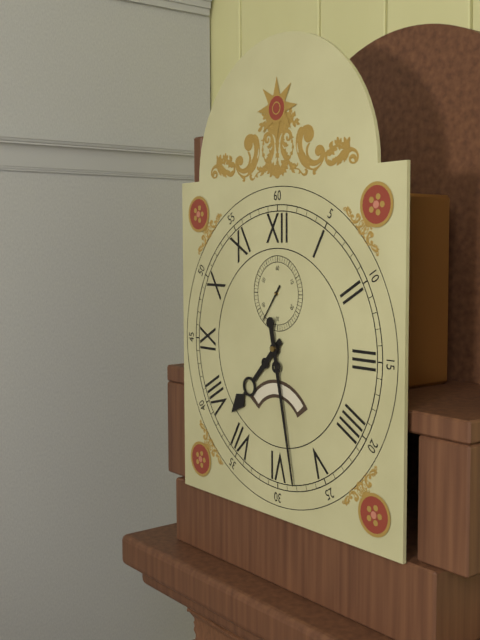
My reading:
**7:28**
